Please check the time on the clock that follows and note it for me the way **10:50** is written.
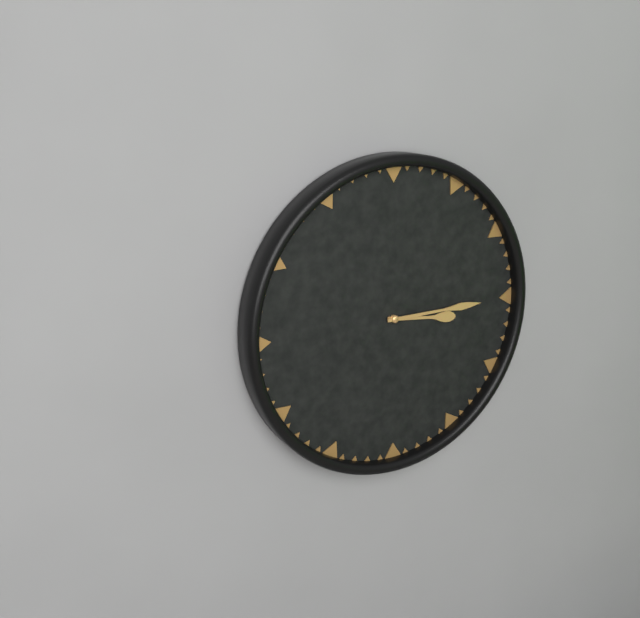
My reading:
**3:15**
